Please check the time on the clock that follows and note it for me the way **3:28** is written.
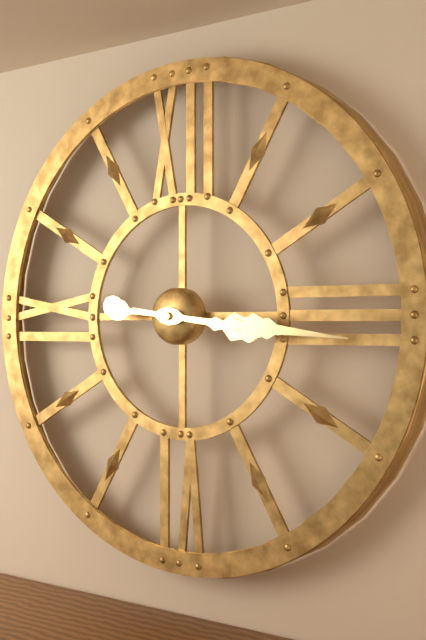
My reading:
**3:16**
